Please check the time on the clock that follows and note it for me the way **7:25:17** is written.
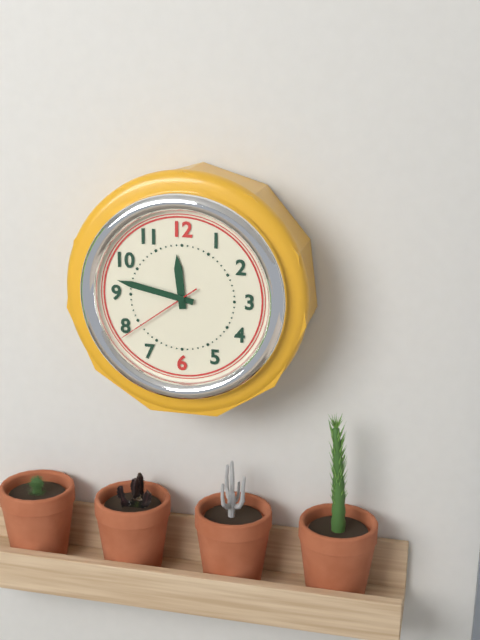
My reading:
**11:47:39**
